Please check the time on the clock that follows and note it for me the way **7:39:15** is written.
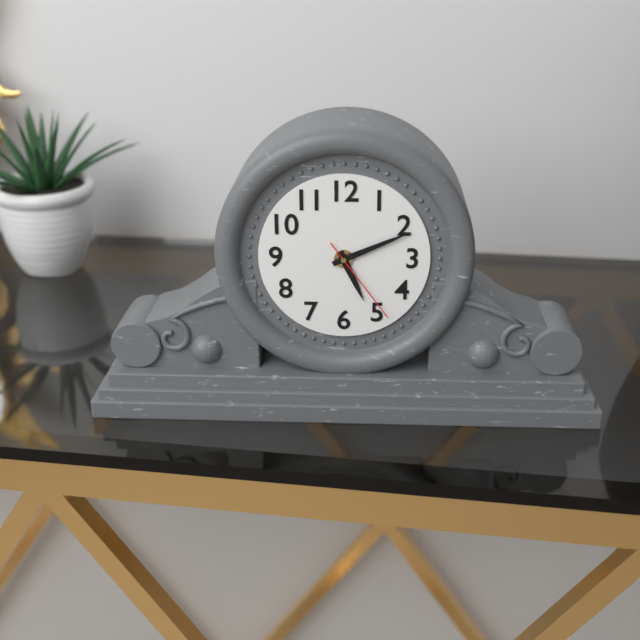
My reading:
**5:11:24**
